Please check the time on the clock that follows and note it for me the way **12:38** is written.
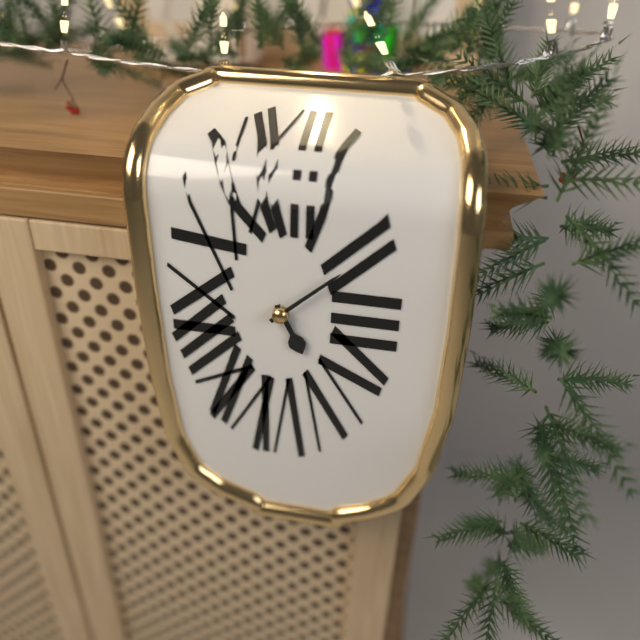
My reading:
**5:08**
